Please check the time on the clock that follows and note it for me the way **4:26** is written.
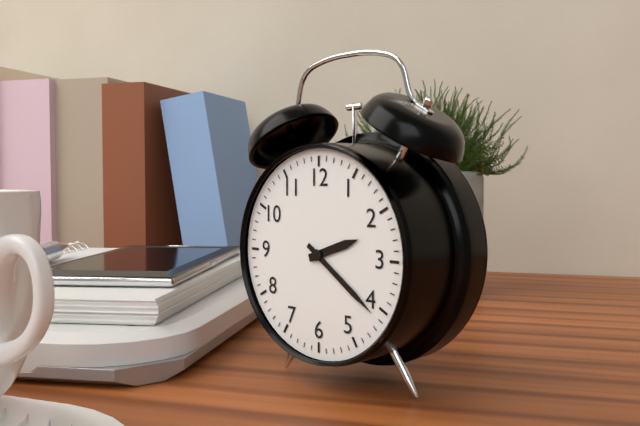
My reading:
**2:21**
